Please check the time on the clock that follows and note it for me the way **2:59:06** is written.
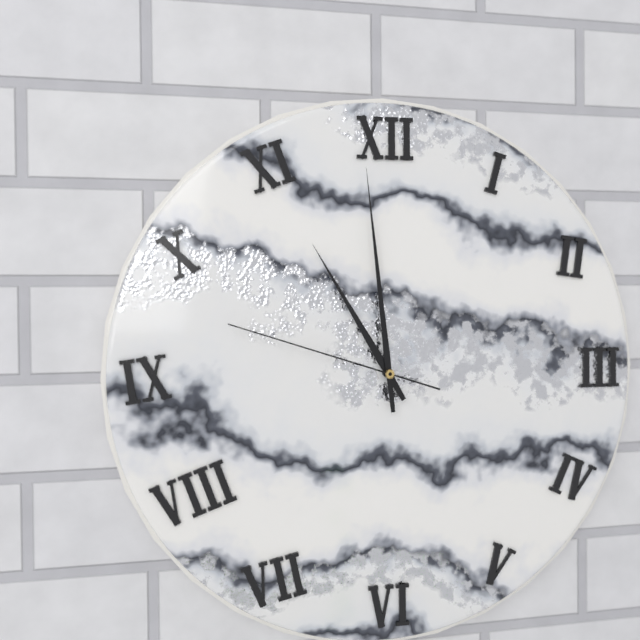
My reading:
**10:59:48**
